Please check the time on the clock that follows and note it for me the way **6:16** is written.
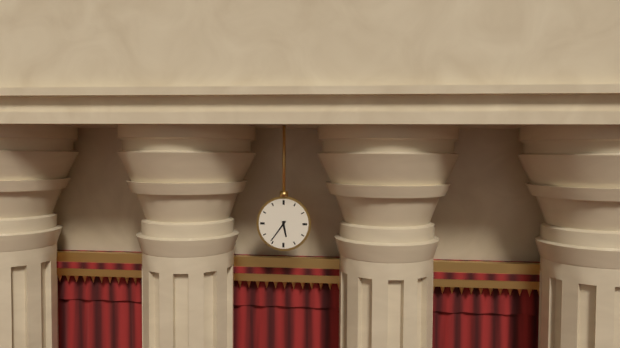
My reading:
**5:36**
